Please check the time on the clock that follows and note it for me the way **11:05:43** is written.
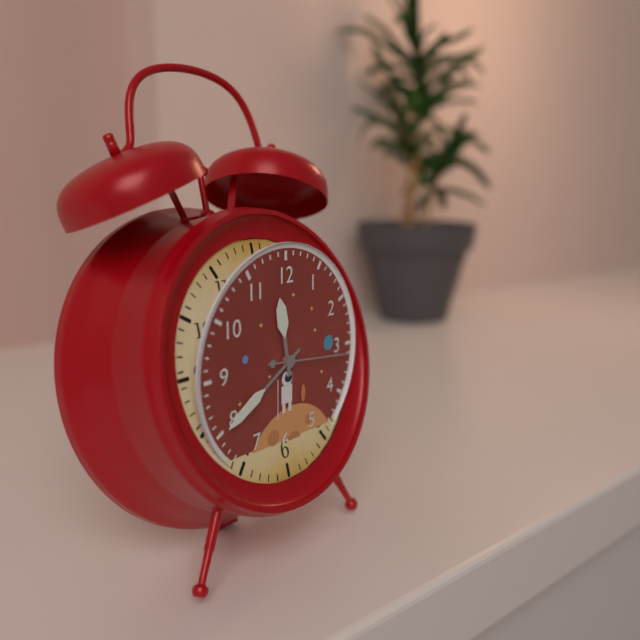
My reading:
**11:40:16**
